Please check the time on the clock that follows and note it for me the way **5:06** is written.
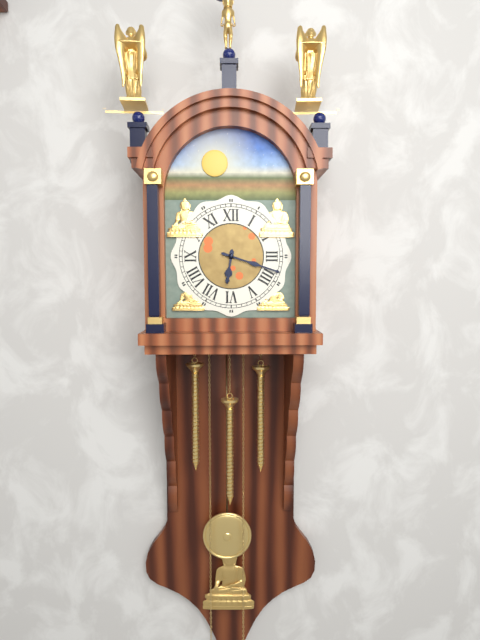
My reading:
**6:18**
